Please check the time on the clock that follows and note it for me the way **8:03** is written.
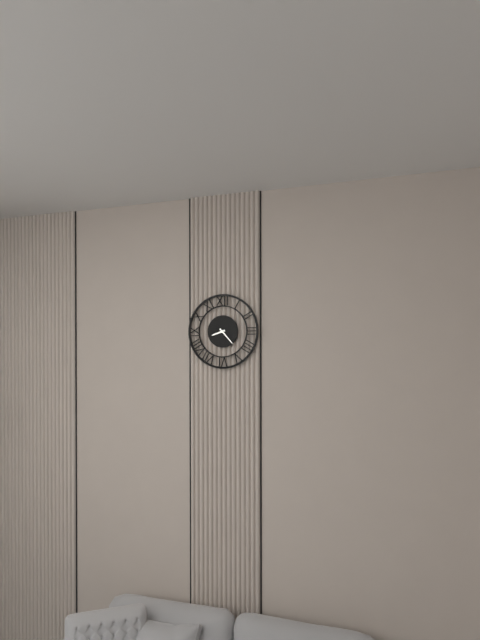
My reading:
**8:23**
